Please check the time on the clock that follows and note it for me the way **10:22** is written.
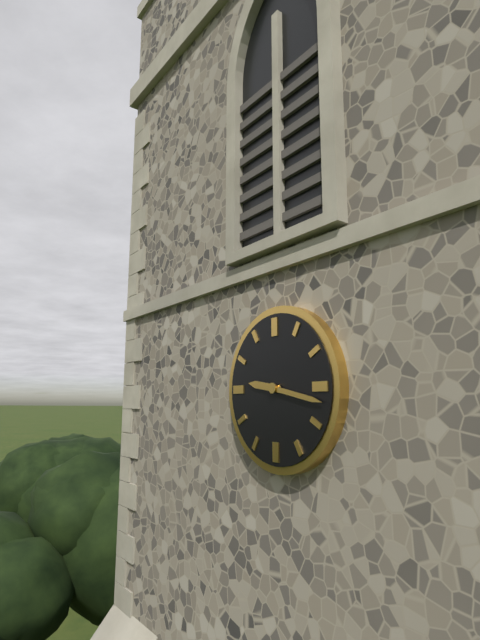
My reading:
**9:17**
